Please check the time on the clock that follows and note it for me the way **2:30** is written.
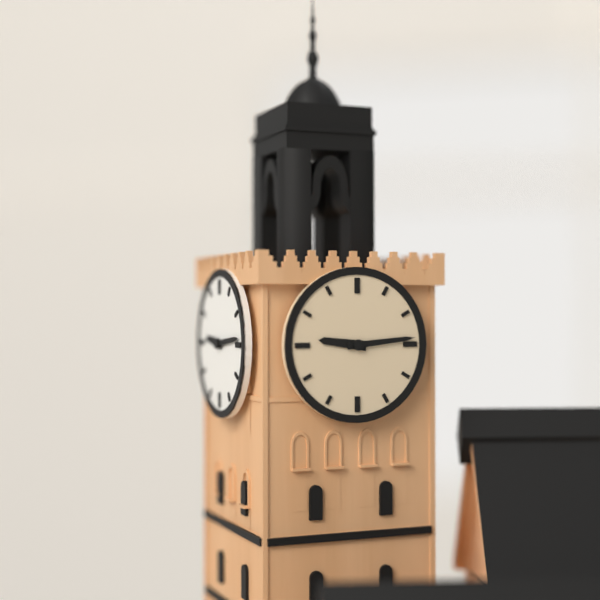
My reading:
**9:14**
